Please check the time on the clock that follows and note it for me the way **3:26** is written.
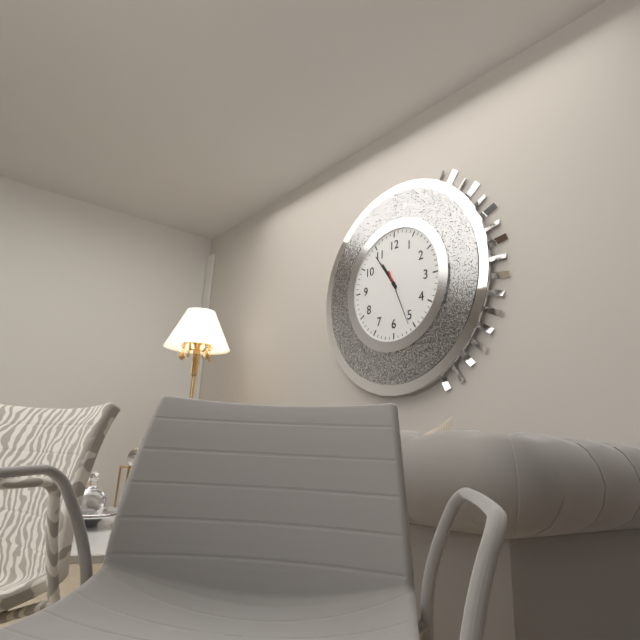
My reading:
**10:54**
